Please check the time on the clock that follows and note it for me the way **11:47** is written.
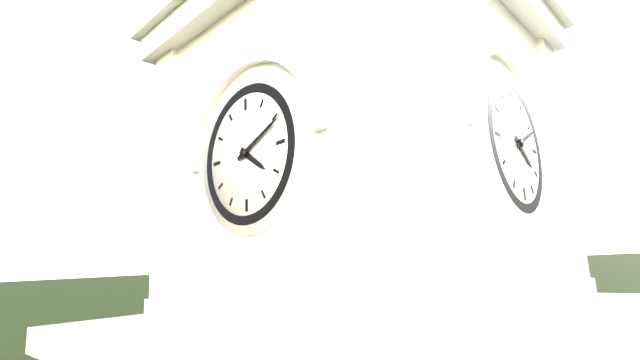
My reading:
**4:11**
